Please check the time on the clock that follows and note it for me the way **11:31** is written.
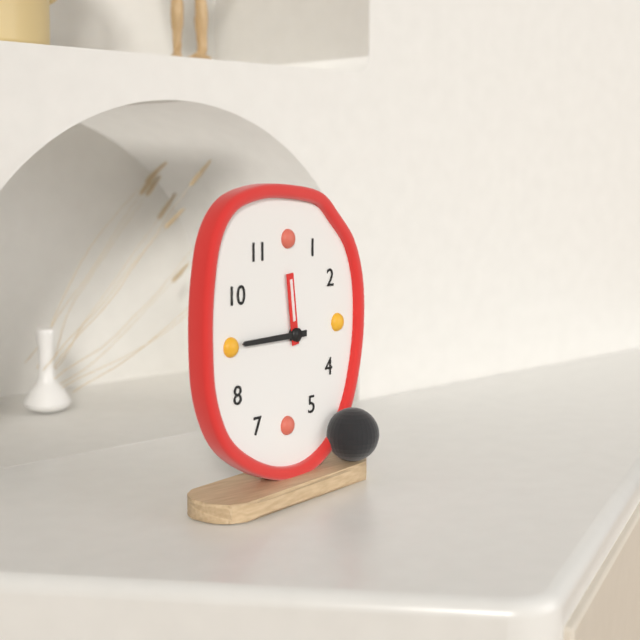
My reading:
**11:45**
